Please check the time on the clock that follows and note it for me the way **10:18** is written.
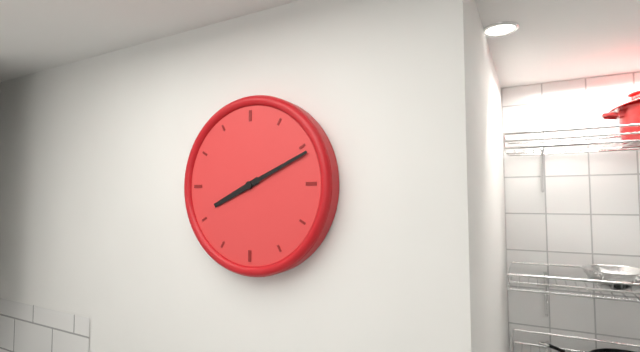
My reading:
**8:11**
